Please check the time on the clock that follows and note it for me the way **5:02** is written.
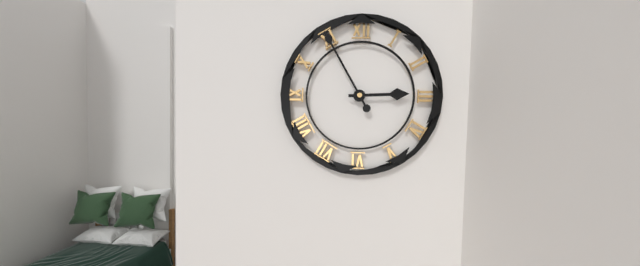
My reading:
**2:55**
